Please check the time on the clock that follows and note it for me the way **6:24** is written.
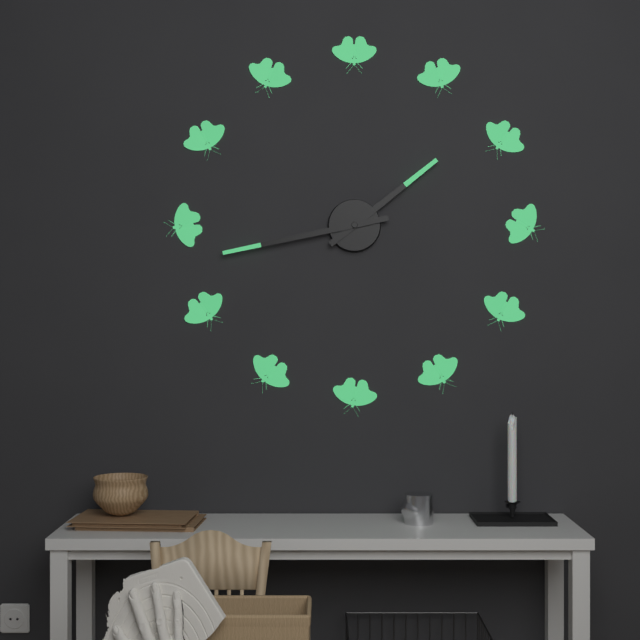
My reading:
**1:43**
